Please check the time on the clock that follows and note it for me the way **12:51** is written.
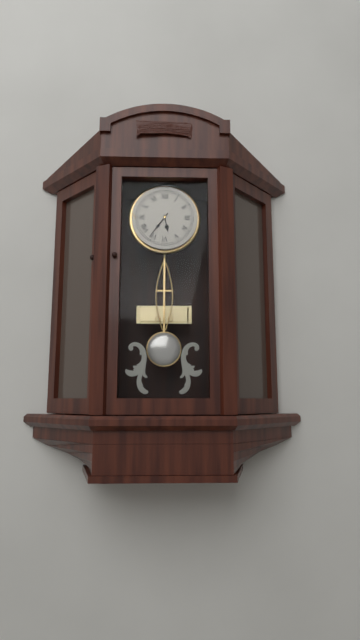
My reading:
**5:36**
